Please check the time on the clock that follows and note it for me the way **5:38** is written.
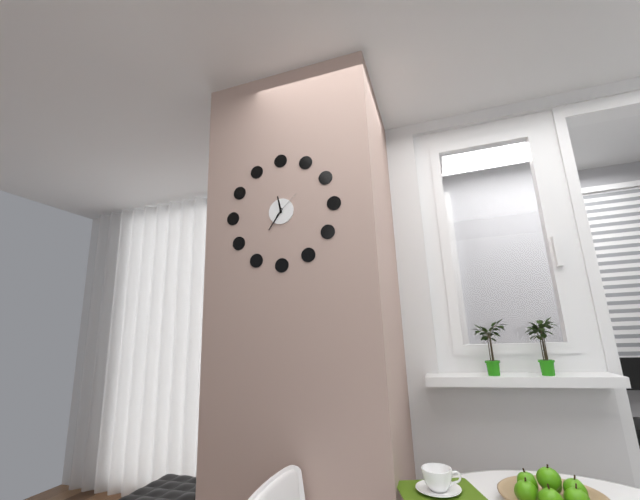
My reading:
**11:36**
